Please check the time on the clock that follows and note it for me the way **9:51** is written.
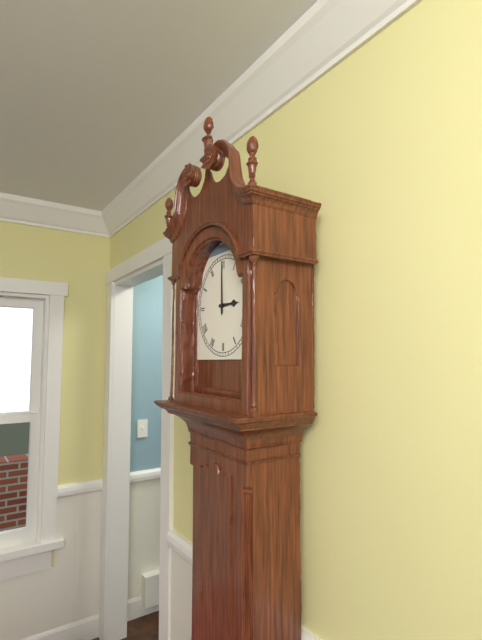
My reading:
**3:00**
